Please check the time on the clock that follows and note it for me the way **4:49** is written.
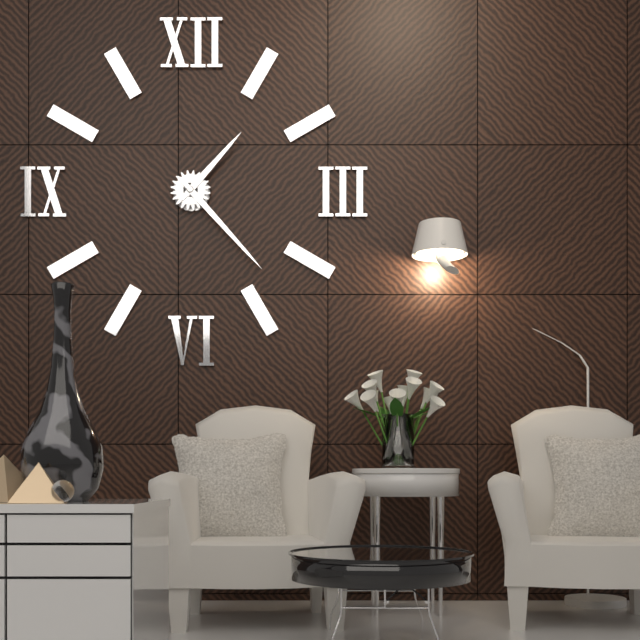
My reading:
**1:23**
